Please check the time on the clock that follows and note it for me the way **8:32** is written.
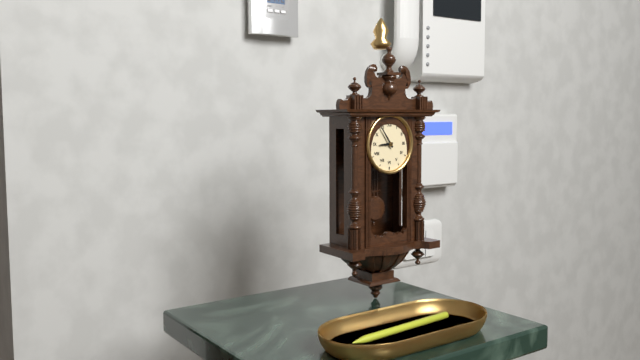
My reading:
**8:54**
